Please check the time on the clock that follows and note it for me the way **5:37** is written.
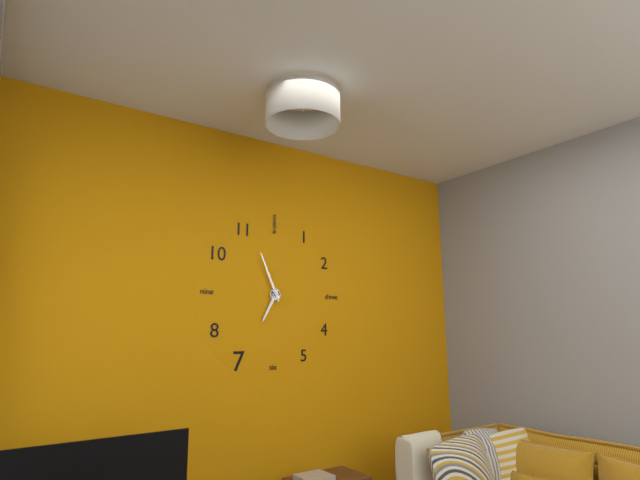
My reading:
**6:56**
